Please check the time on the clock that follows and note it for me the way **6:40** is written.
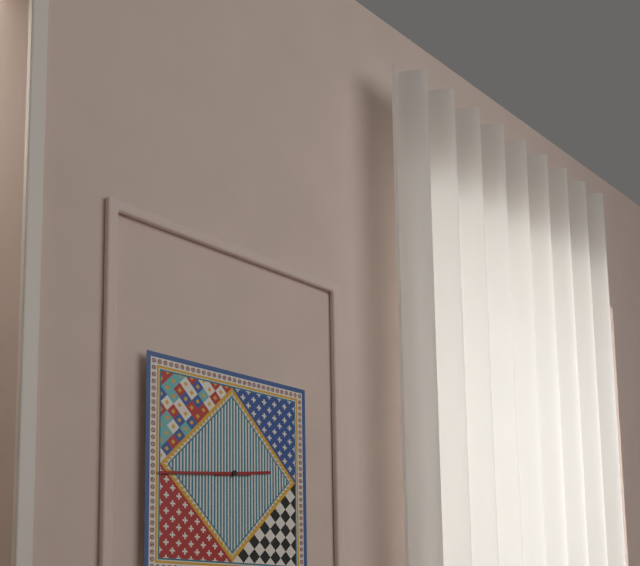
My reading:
**2:44**
